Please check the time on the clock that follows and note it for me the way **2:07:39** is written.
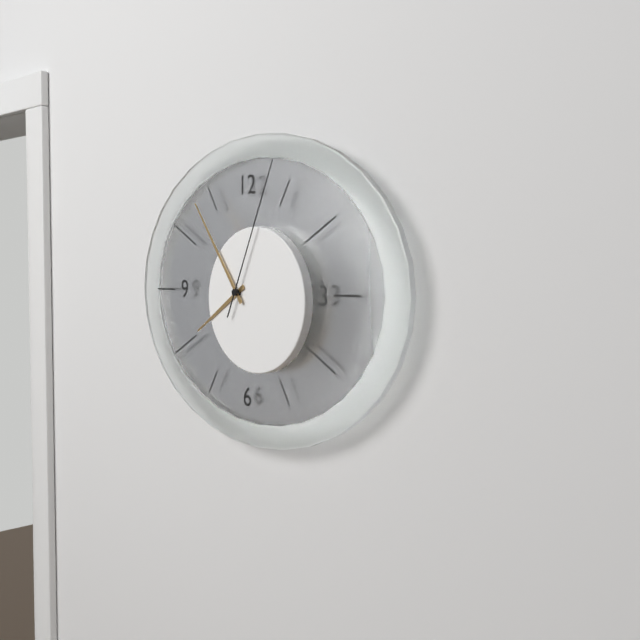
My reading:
**7:54:04**
